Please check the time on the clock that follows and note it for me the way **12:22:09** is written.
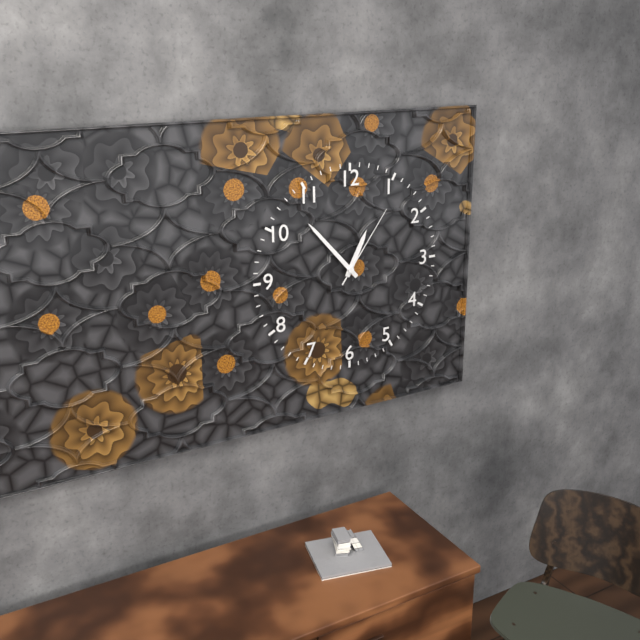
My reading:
**12:53:06**
